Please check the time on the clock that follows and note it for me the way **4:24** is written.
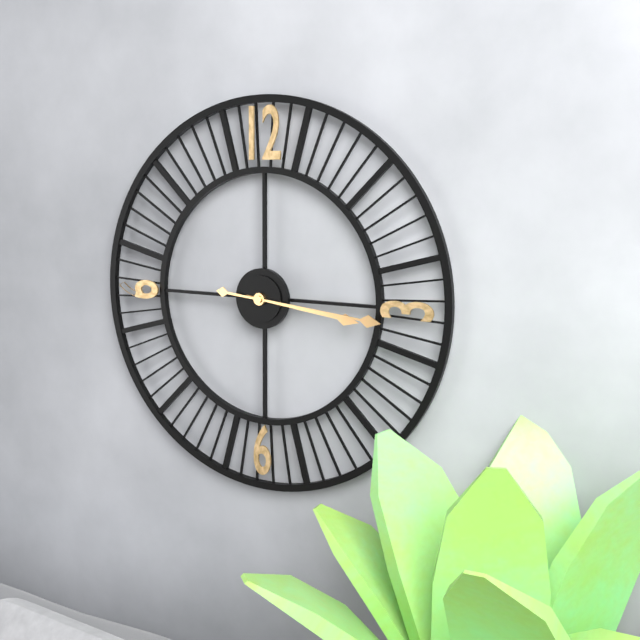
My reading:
**3:16**
